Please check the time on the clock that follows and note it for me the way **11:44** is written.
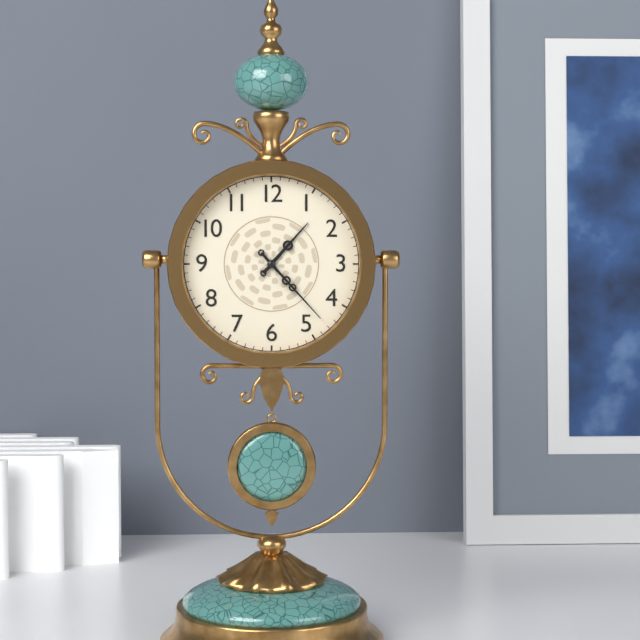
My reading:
**1:23**
